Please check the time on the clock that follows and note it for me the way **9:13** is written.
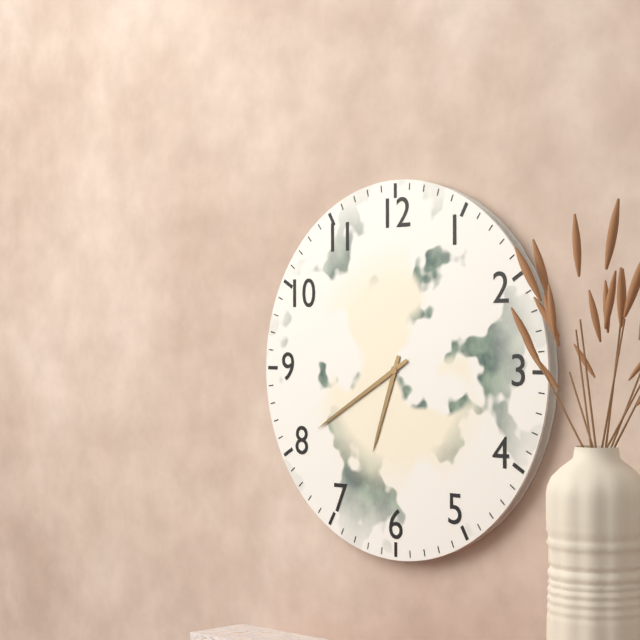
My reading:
**6:40**
